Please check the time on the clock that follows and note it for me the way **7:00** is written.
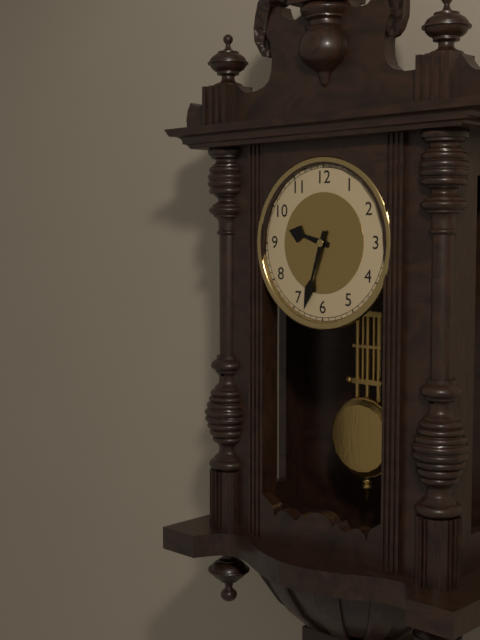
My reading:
**9:33**
